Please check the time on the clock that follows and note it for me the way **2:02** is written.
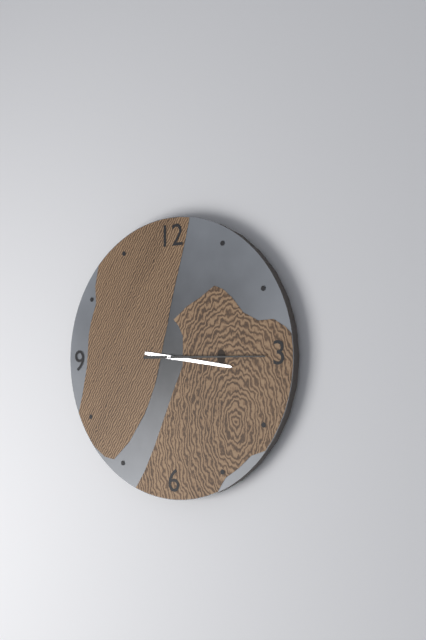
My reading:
**3:15**
